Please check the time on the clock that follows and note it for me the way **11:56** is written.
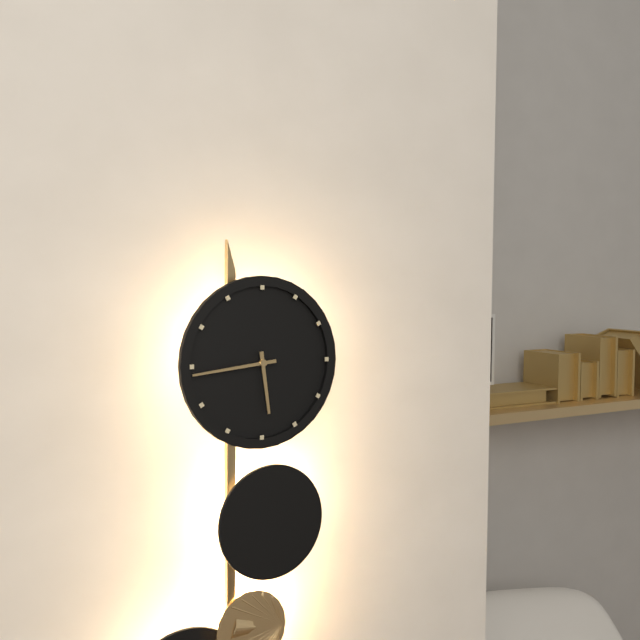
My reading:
**5:44**
